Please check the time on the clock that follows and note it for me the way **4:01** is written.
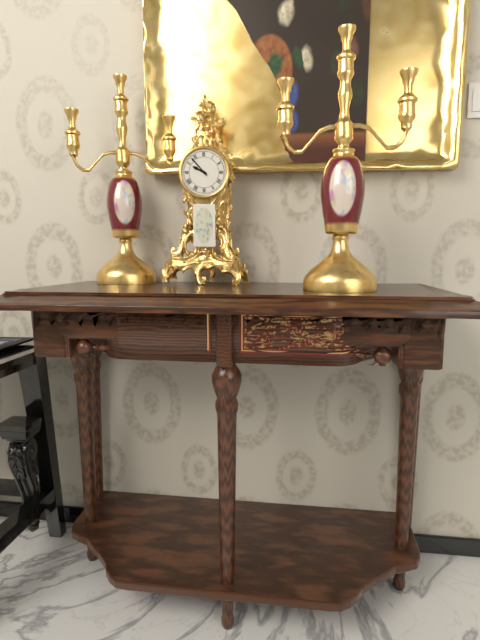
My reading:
**9:53**
